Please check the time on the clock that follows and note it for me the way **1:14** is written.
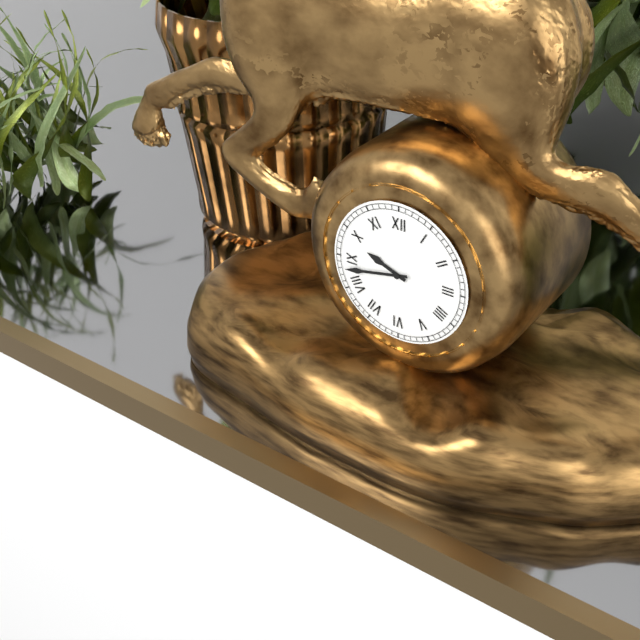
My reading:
**9:43**
